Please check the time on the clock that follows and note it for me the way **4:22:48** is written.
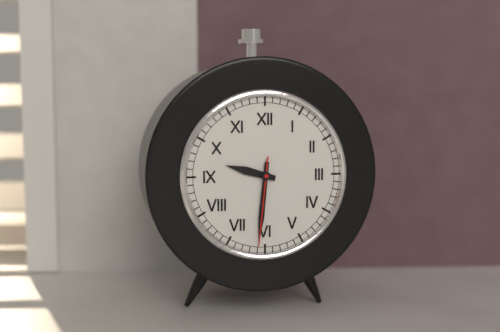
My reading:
**9:31:31**
